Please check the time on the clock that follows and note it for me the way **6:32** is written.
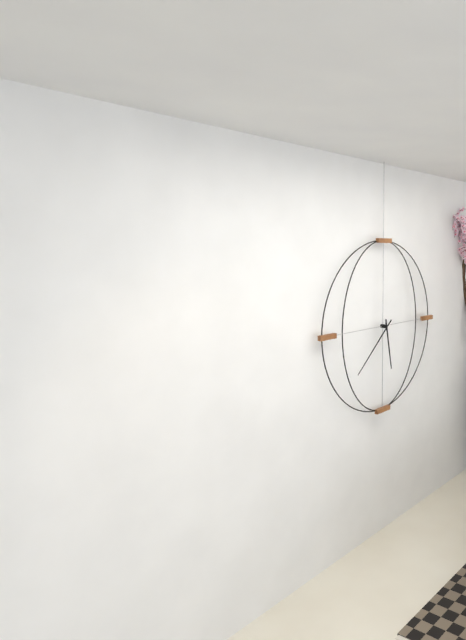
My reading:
**5:38**
